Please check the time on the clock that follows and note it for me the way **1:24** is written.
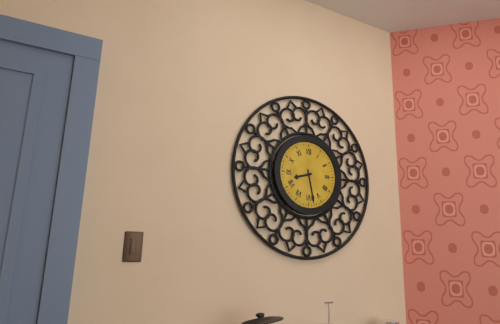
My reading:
**8:28**
